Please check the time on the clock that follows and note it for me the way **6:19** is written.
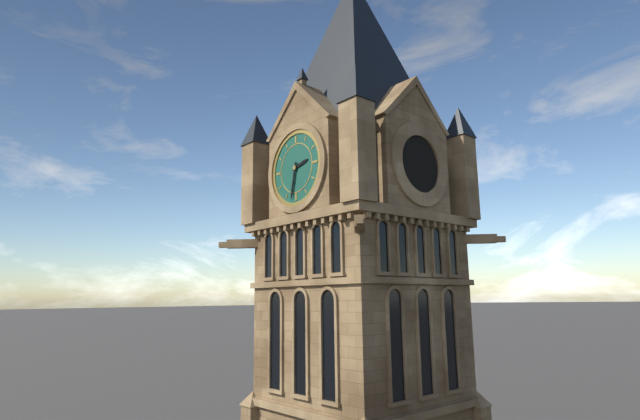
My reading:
**2:32**
